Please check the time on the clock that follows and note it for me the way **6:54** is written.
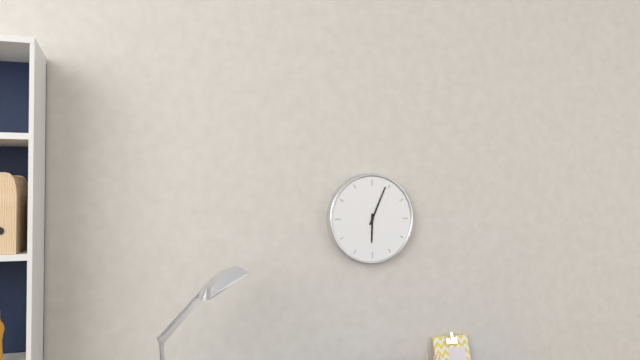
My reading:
**6:04**
